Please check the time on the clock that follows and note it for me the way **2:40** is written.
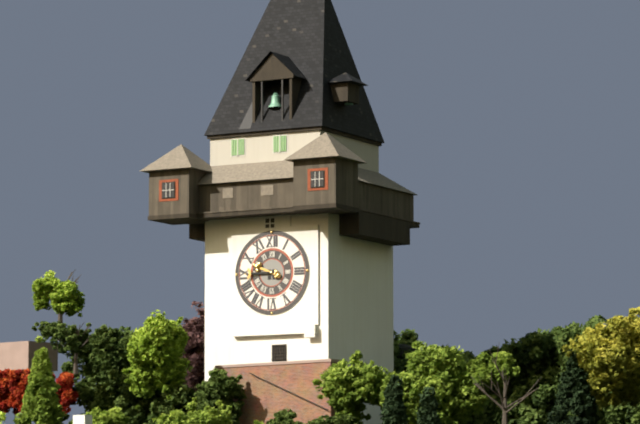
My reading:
**9:45**
